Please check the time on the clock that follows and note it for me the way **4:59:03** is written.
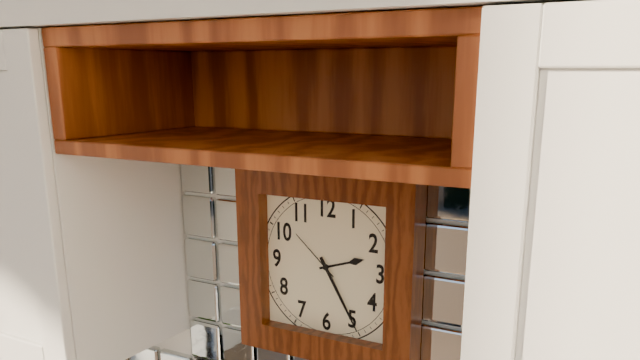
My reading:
**2:25:52**
